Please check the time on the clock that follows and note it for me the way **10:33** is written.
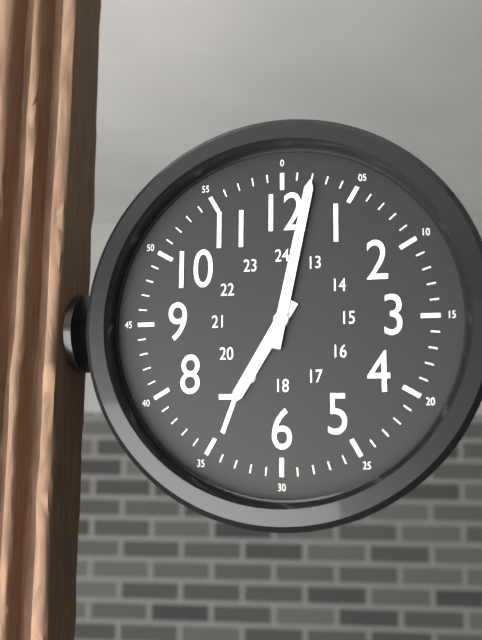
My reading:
**7:02**
